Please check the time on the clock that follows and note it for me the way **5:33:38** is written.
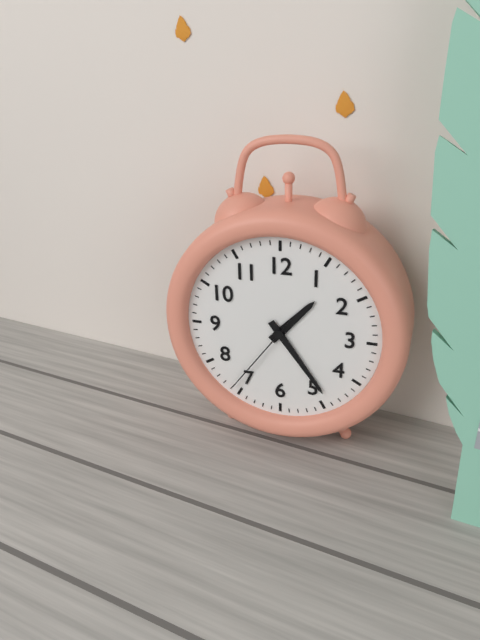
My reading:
**1:24:36**
